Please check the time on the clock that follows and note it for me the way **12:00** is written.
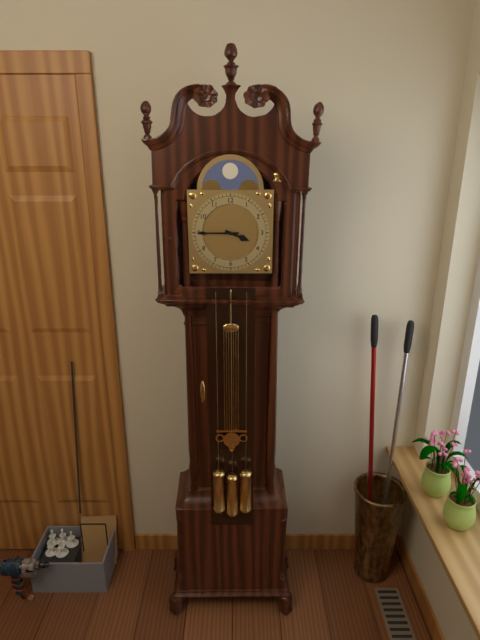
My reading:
**3:45**
